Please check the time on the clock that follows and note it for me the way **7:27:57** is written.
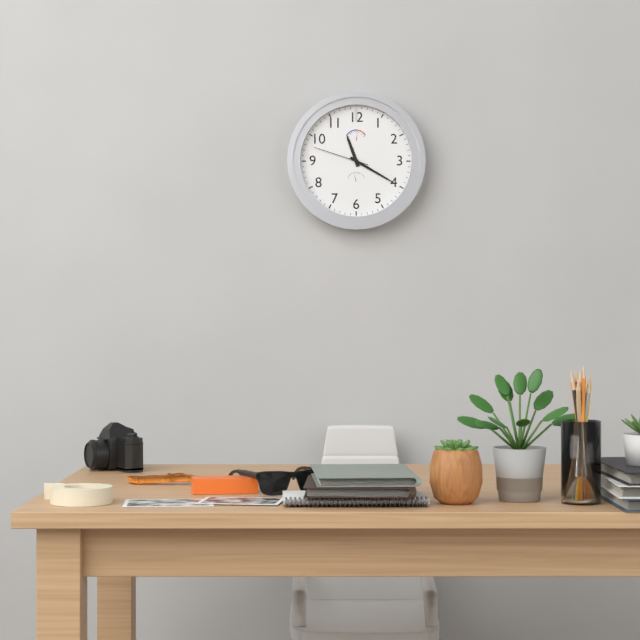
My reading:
**11:20:48**
